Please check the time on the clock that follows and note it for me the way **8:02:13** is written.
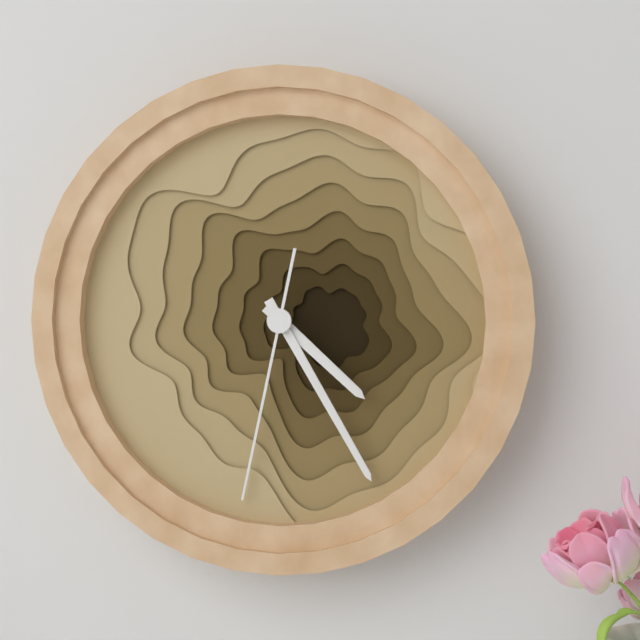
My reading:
**4:25:32**
